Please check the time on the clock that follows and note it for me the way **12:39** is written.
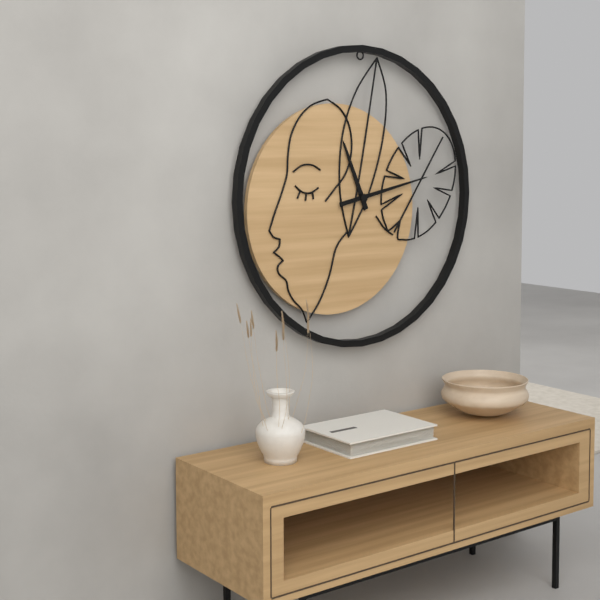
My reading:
**11:13**
